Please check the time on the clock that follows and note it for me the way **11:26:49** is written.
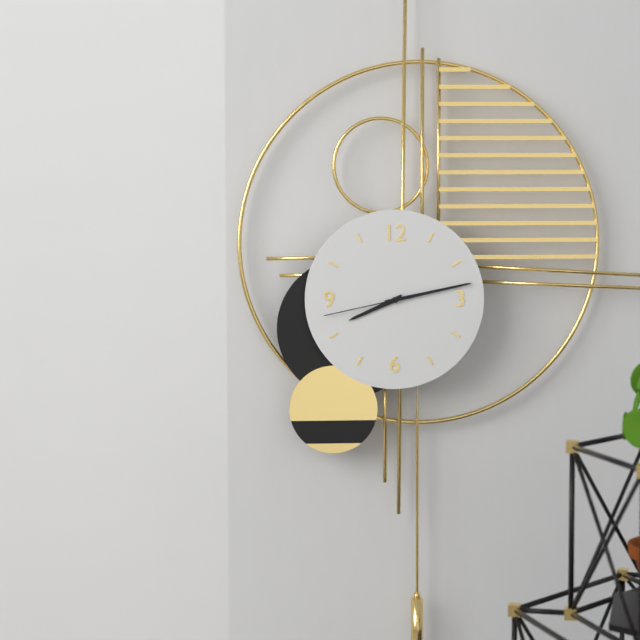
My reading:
**8:13:43**
